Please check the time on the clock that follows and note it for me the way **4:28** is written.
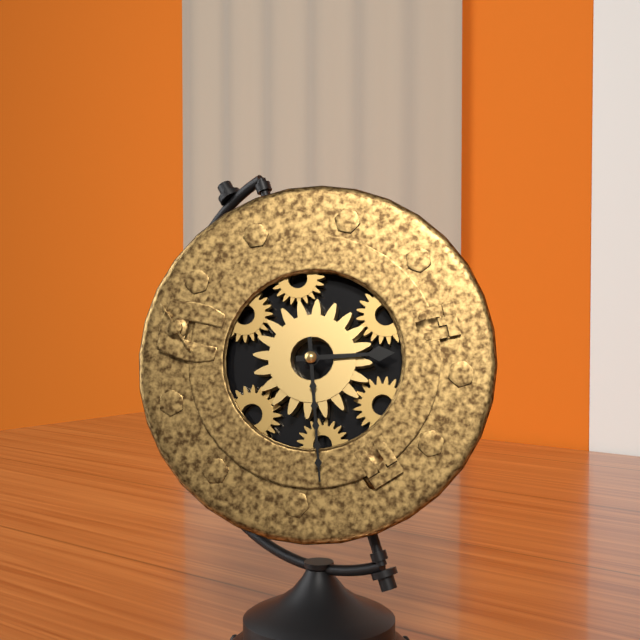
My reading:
**2:27**
